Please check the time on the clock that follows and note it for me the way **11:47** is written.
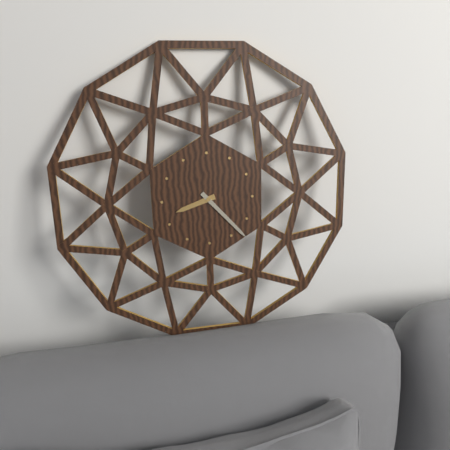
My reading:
**8:23**
